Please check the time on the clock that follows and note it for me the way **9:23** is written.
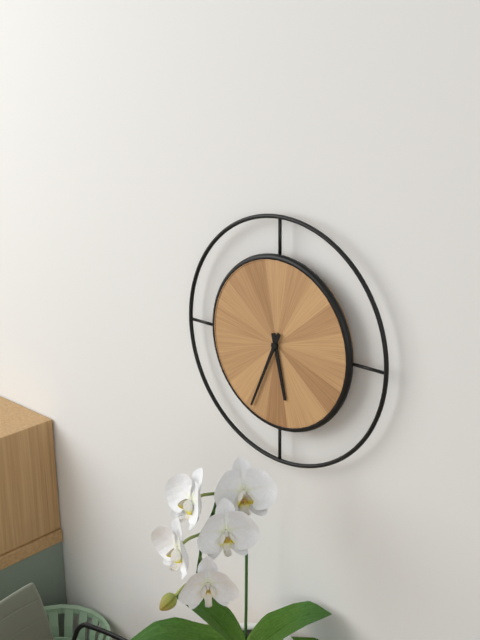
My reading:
**5:34**
